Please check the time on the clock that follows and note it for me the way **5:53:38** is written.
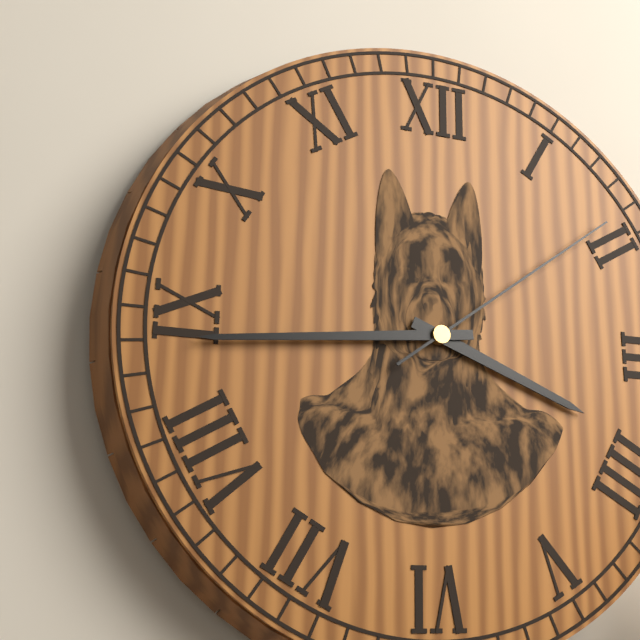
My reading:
**3:44:09**
